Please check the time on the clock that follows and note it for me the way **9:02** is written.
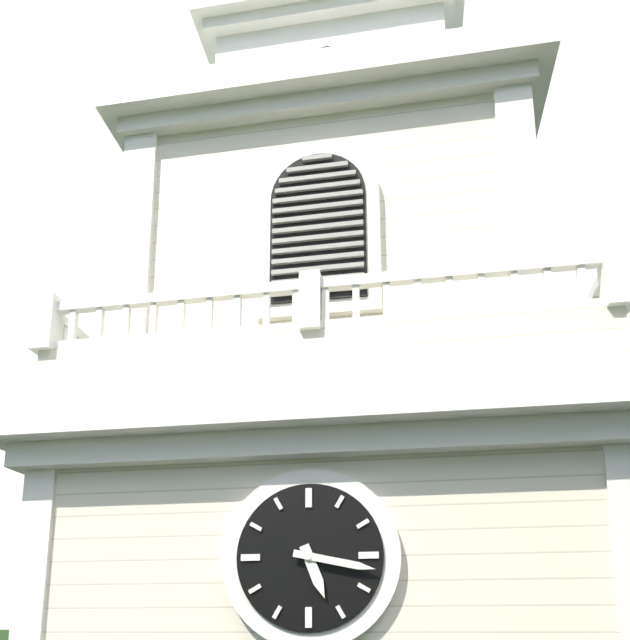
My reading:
**5:17**
